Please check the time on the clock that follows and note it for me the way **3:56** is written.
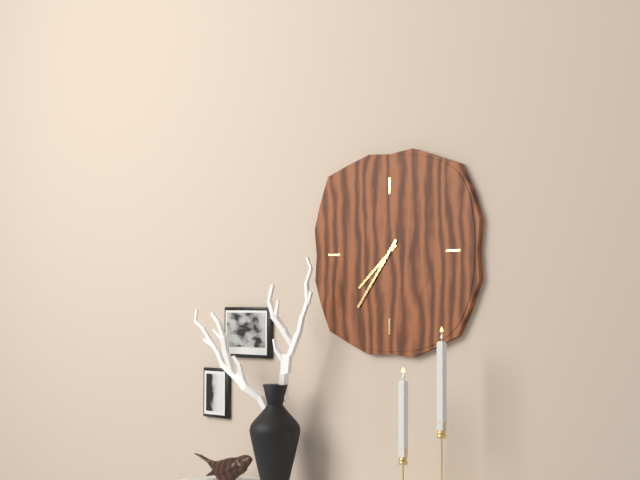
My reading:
**7:36**
